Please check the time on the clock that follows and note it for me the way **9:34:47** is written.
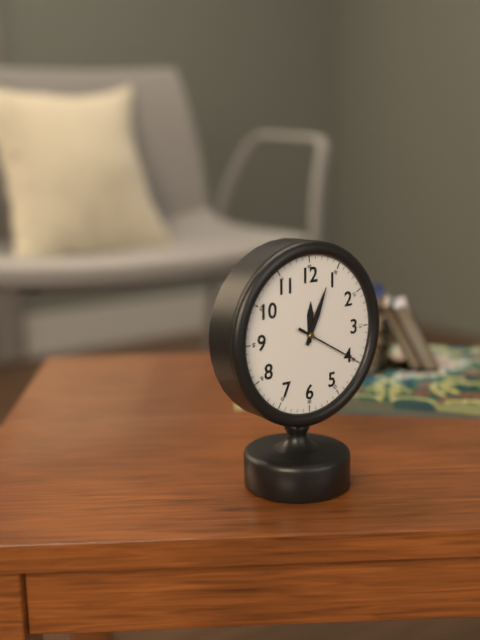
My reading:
**12:04:20**
